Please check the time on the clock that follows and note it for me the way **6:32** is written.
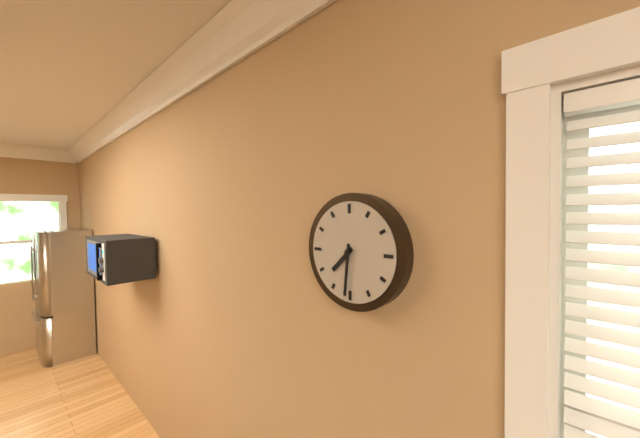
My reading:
**7:31**
